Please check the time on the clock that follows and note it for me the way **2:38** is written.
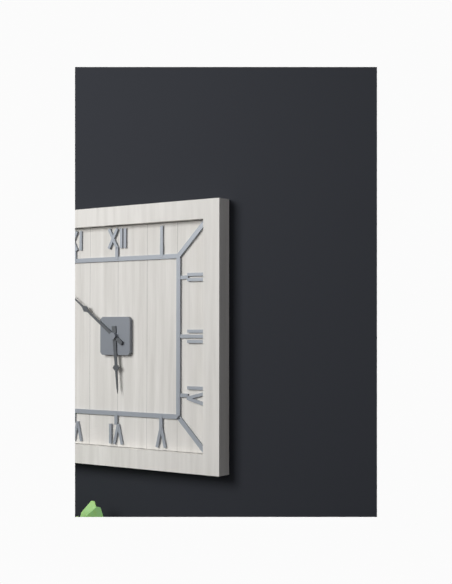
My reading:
**5:51**
